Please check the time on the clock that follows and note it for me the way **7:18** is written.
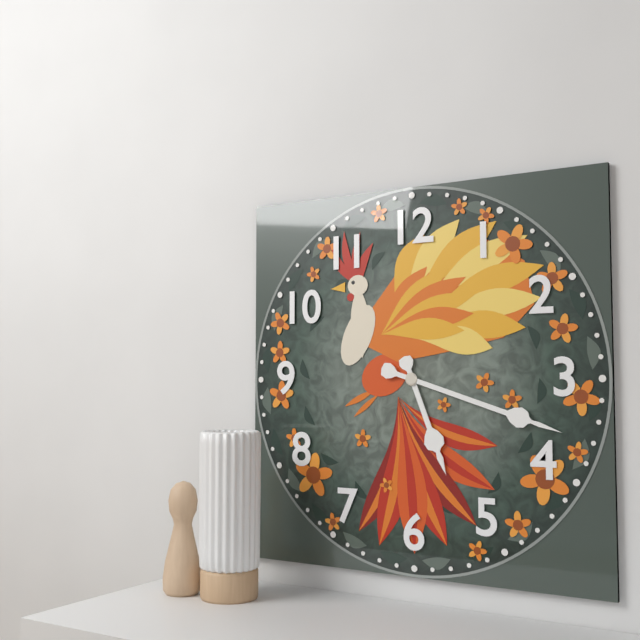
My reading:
**5:18**
